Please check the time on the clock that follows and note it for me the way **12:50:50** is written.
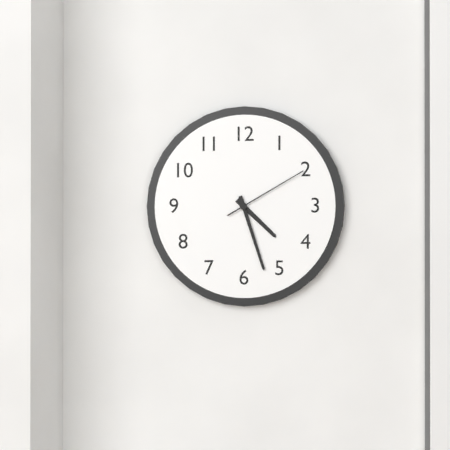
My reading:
**4:27:10**
